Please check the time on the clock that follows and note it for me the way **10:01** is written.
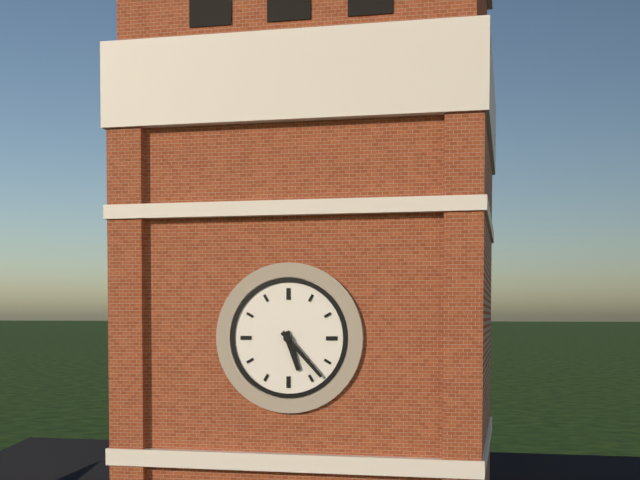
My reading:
**5:23**
